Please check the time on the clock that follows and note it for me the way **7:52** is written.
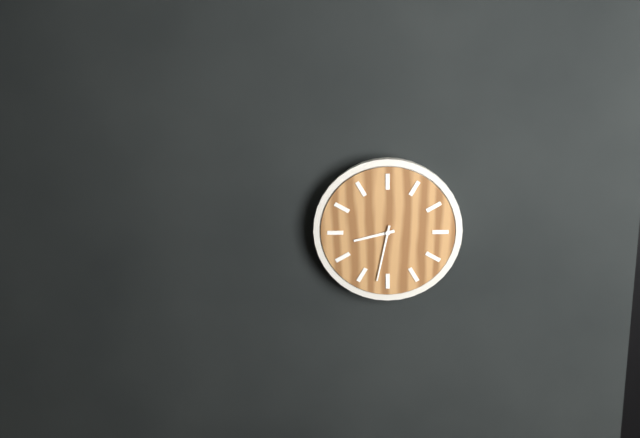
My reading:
**8:32**
